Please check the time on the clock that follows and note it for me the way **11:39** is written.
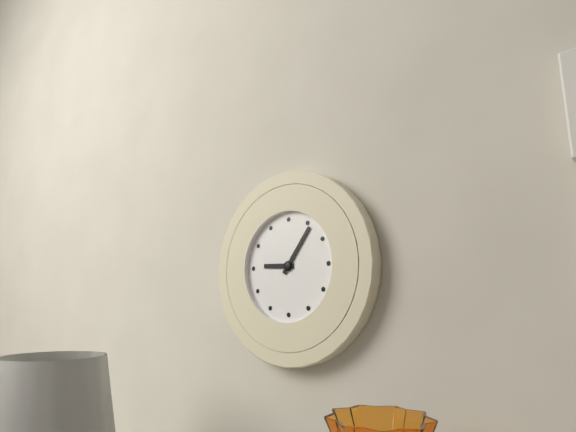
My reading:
**9:06**
